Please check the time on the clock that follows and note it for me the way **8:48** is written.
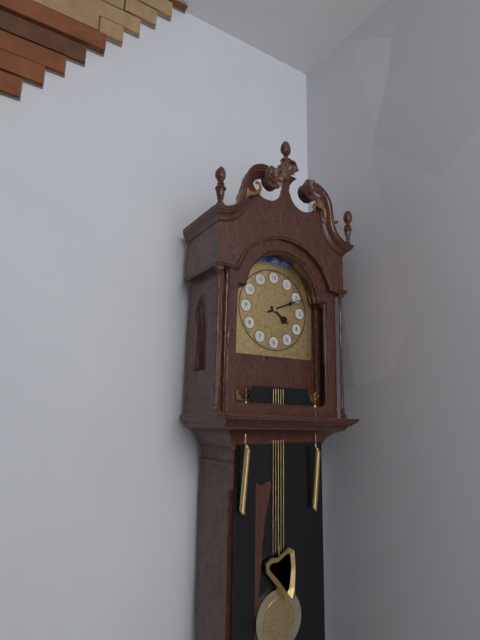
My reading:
**4:11**
